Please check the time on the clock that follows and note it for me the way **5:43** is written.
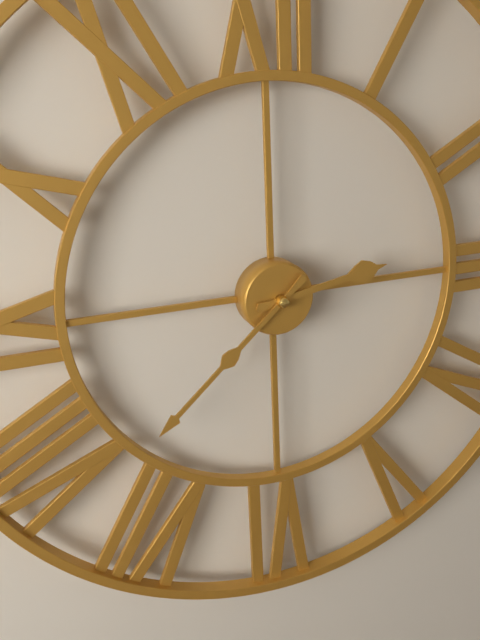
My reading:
**2:38**
